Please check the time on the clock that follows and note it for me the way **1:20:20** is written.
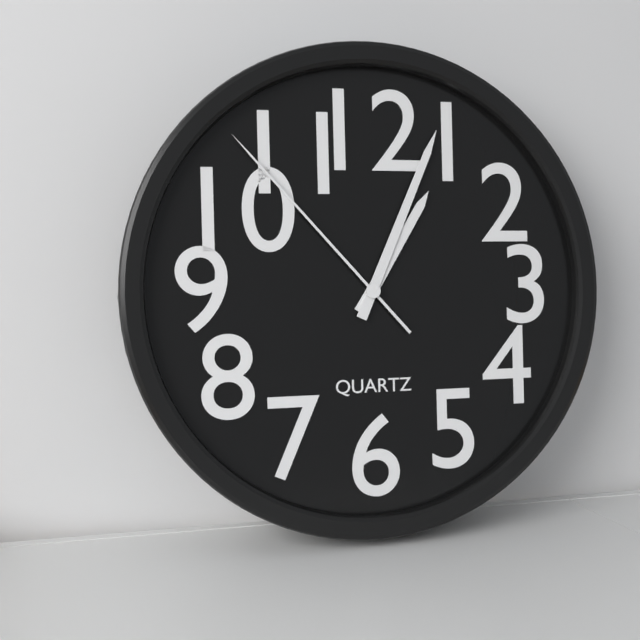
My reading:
**1:04:53**
